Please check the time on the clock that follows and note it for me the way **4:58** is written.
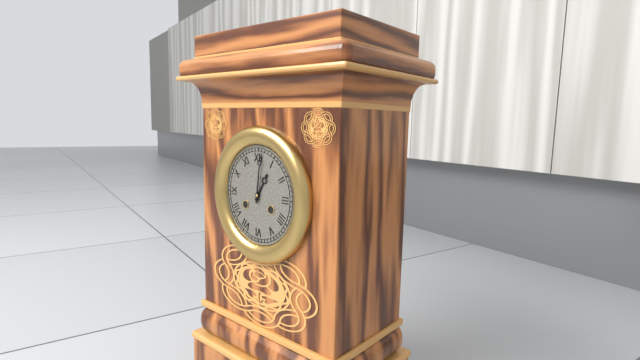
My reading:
**1:01**
